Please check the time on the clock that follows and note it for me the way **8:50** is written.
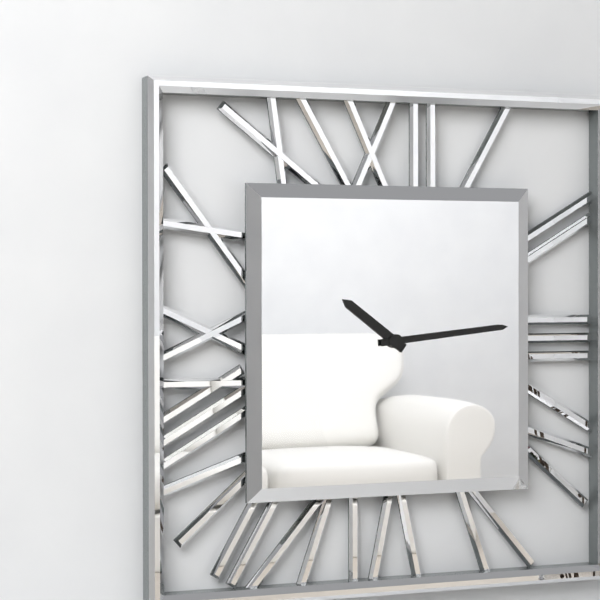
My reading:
**10:14**
